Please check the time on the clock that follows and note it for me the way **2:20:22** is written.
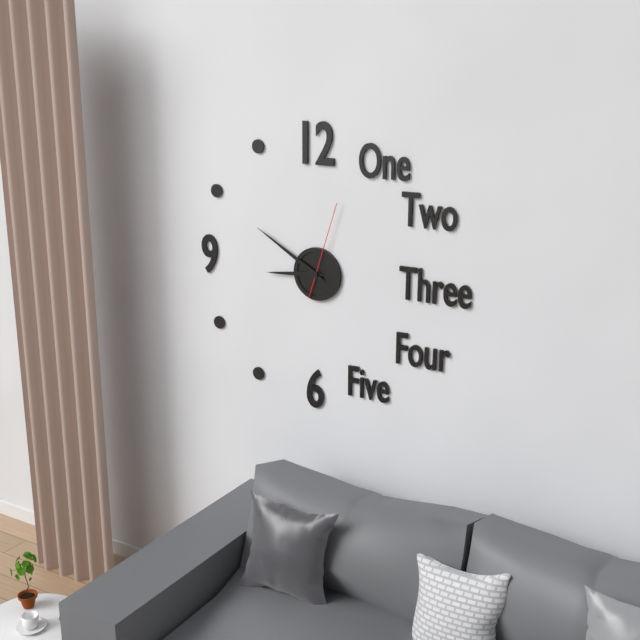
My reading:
**8:50:03**
